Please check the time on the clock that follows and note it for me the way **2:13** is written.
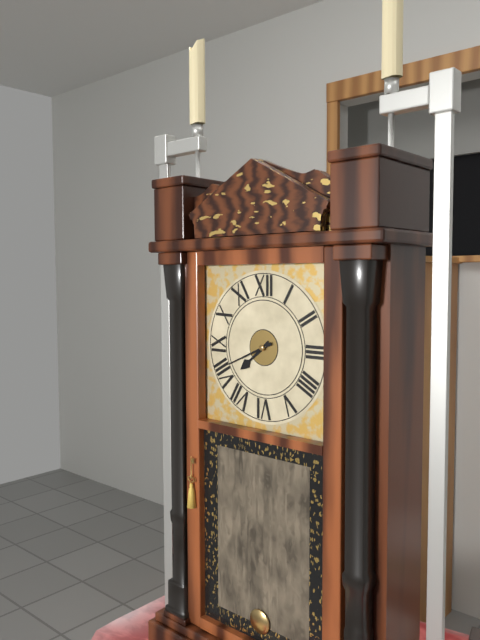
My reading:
**7:41**
